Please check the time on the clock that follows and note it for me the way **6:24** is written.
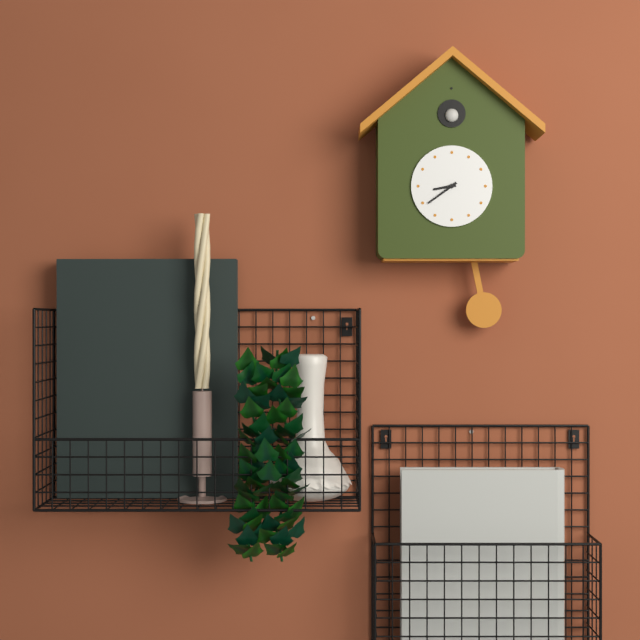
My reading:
**8:39**
